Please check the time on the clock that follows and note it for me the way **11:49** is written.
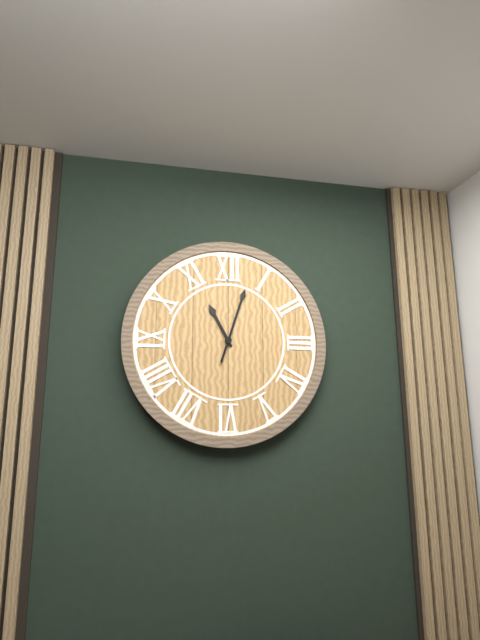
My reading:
**11:03**
